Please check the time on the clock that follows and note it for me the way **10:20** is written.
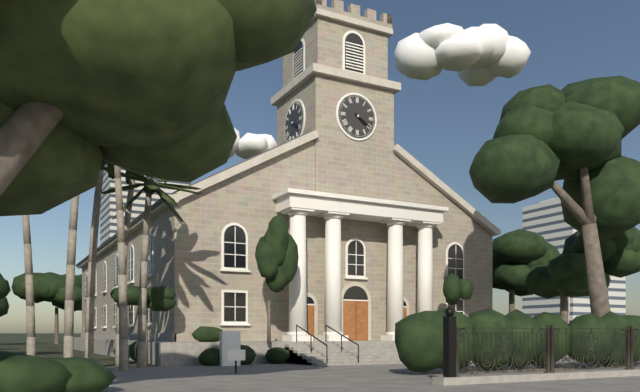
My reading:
**4:20**
